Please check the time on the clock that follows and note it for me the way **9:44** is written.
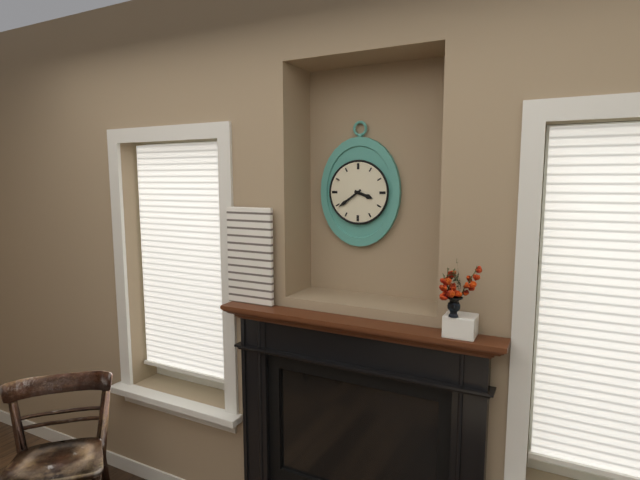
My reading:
**3:39**
